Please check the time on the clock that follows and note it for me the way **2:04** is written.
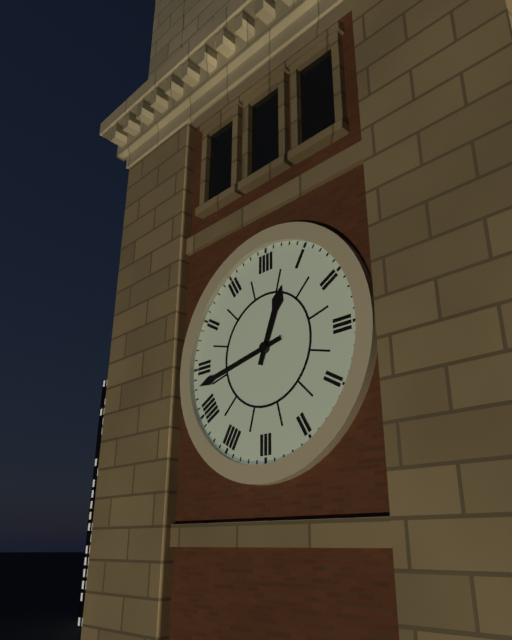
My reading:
**12:43**
